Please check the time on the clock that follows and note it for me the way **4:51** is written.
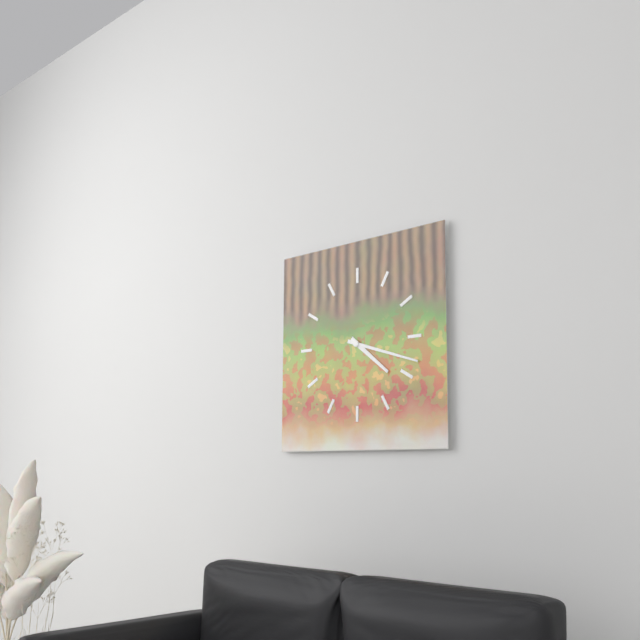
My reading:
**4:18**
